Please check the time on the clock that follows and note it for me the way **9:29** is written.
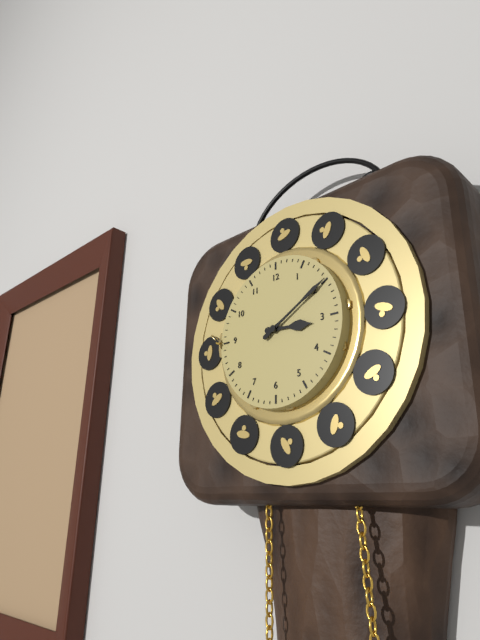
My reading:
**3:10**
